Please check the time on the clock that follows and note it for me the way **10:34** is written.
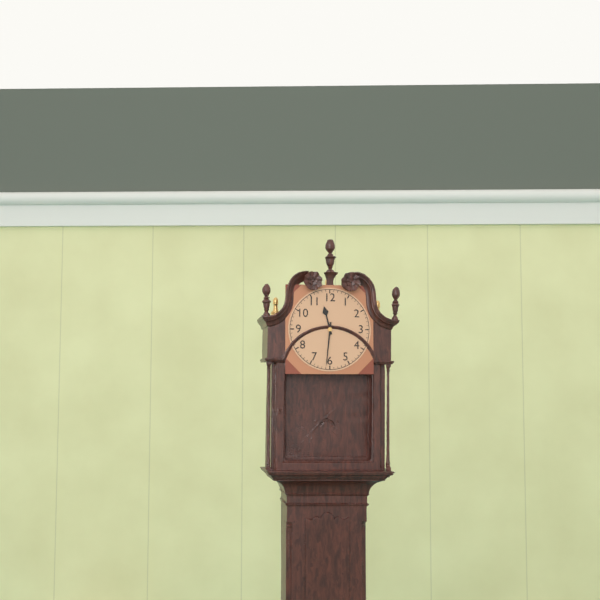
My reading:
**11:31**
